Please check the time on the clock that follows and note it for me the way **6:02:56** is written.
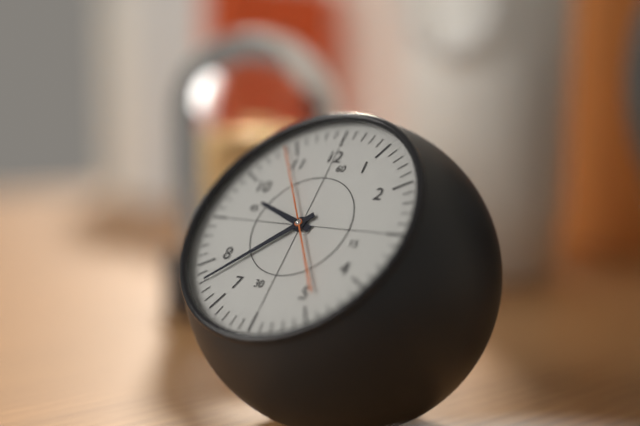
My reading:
**9:38:54**
